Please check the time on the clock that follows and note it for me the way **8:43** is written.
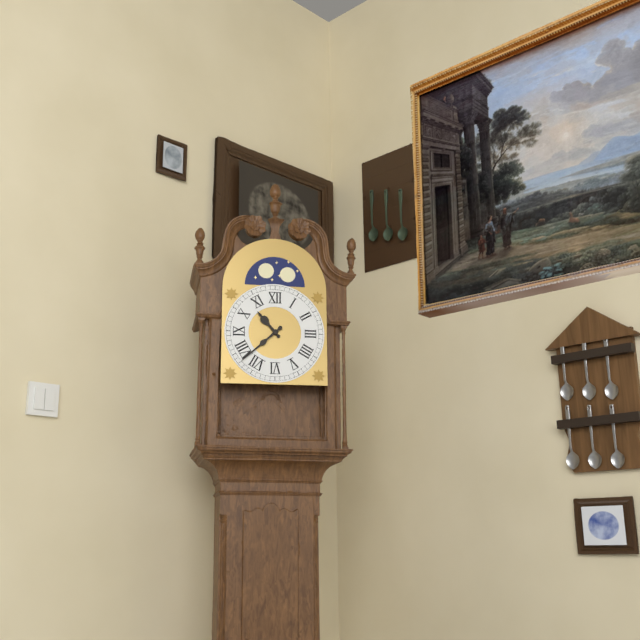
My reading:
**10:38**
